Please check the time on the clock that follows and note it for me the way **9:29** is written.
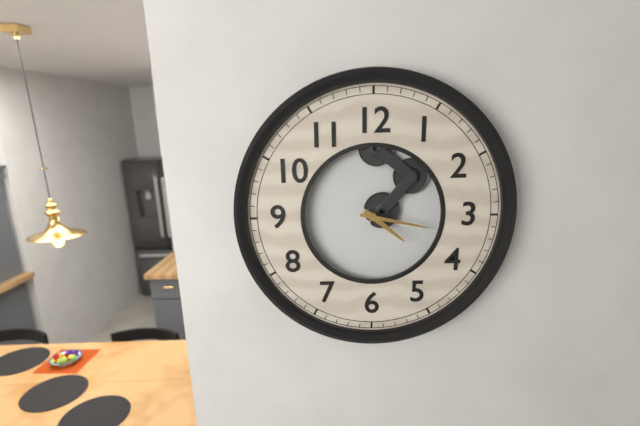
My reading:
**4:17**
